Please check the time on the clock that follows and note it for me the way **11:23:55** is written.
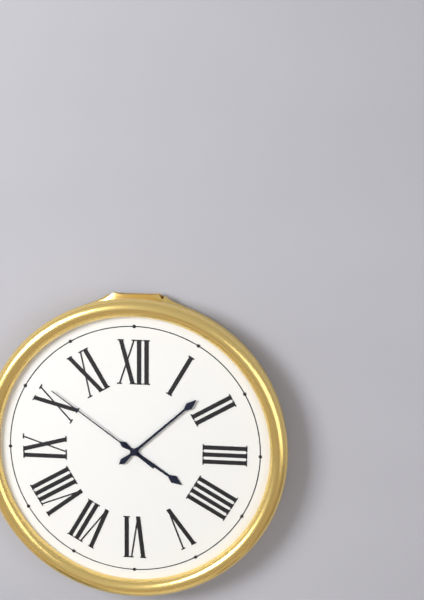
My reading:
**4:08:51**
